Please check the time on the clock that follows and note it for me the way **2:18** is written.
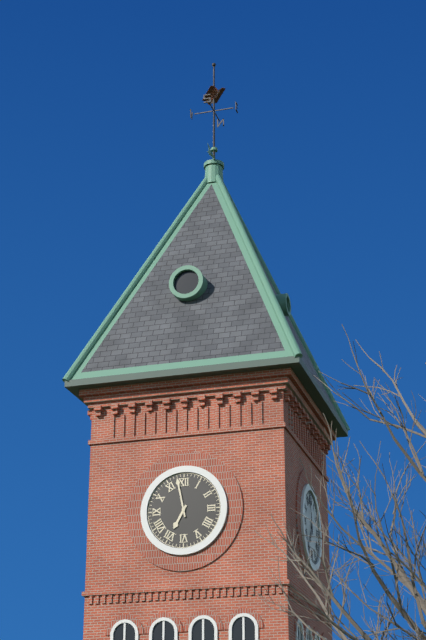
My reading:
**6:58**
